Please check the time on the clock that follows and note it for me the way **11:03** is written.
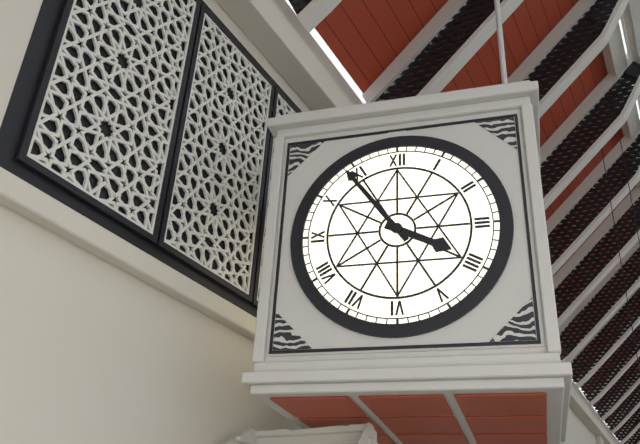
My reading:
**3:54**
